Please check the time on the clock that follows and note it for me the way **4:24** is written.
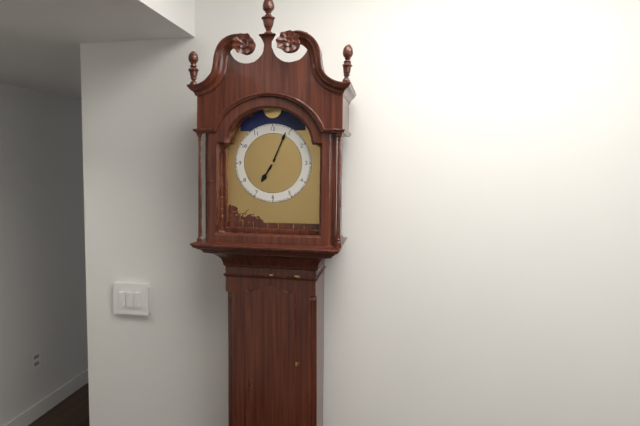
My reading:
**7:04**
